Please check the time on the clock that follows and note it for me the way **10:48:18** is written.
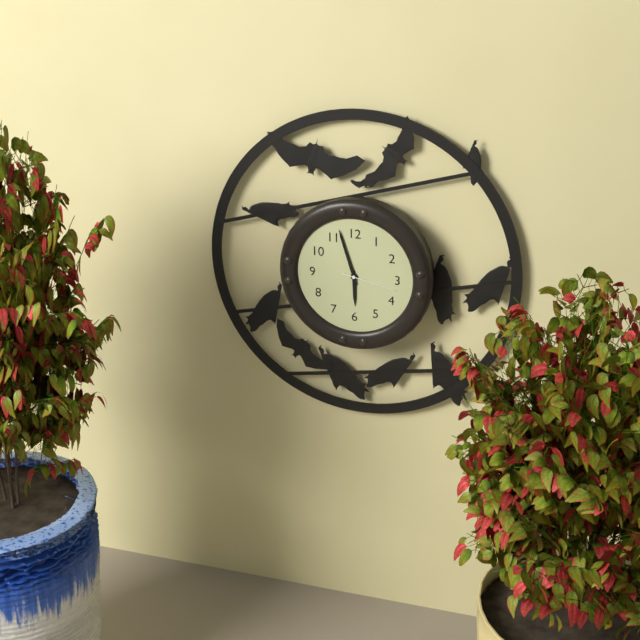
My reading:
**5:57:17**
